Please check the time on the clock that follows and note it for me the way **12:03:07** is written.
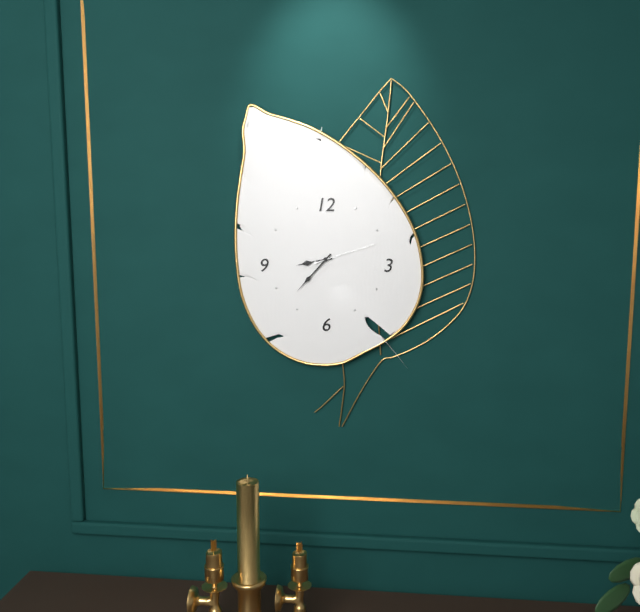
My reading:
**8:37:12**
